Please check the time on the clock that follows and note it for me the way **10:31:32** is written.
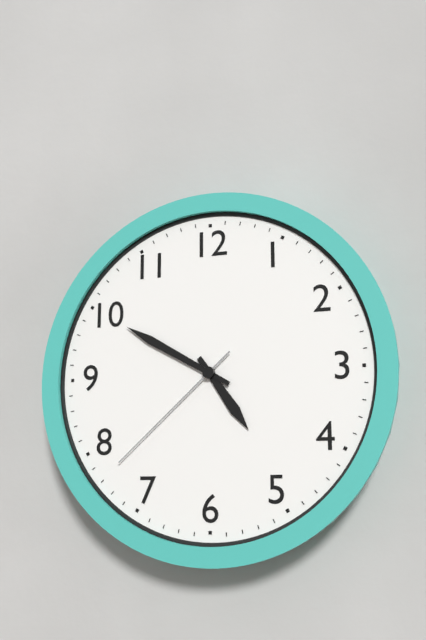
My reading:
**4:50:38**
